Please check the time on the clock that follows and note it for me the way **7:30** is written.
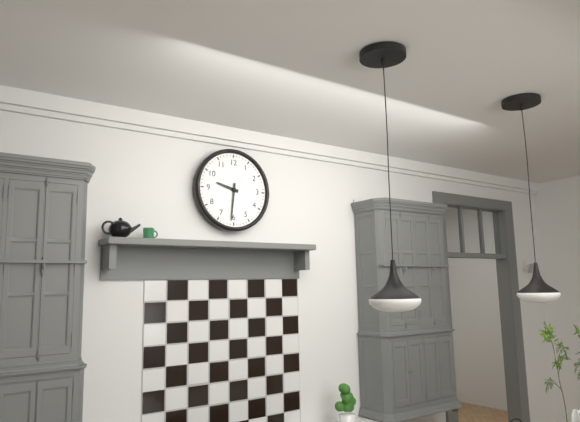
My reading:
**9:31**
